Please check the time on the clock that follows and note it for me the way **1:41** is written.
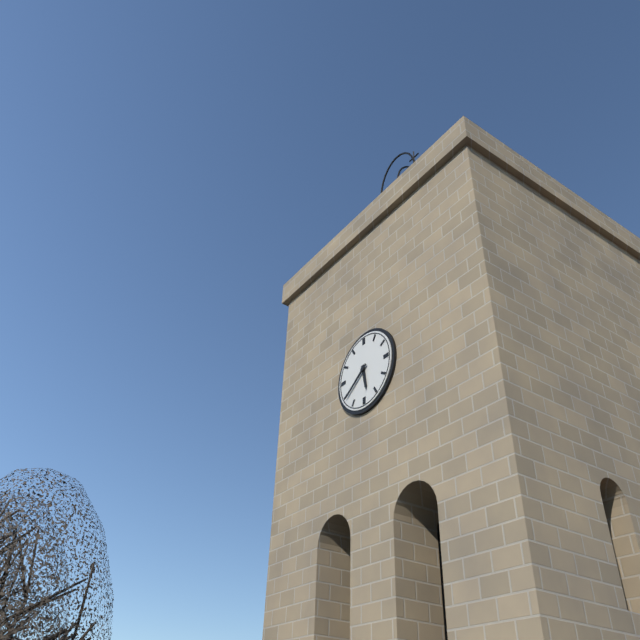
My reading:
**5:39**
